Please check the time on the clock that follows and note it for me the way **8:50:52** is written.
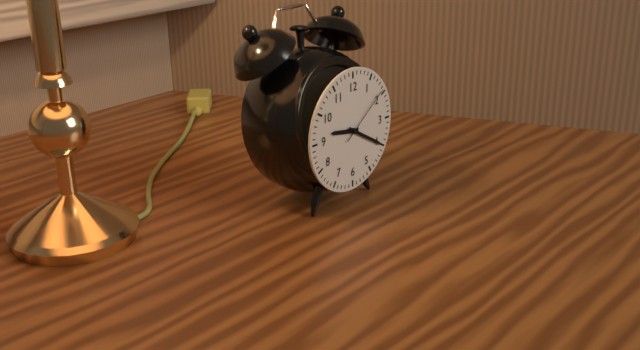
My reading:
**9:20:09**
